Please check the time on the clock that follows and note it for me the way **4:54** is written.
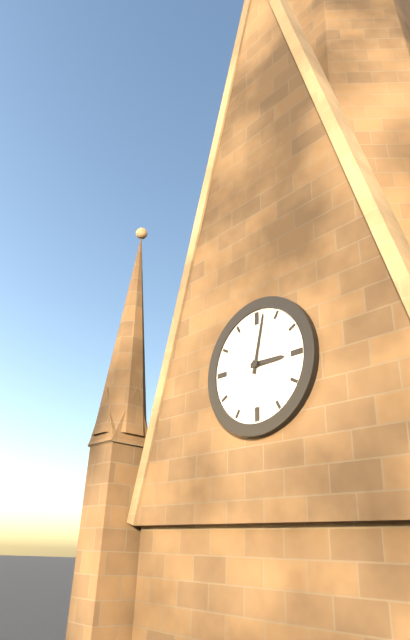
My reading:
**3:02**
